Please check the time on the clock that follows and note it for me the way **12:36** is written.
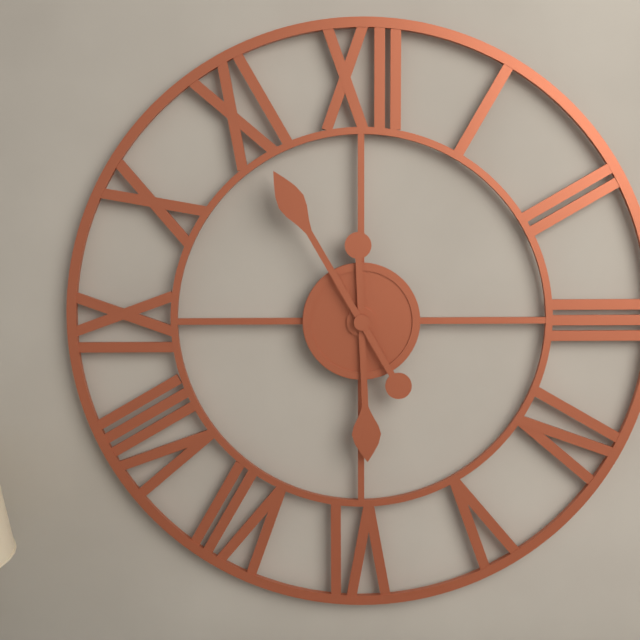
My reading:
**5:55**
